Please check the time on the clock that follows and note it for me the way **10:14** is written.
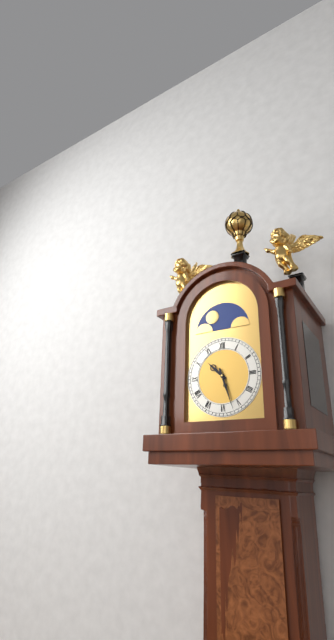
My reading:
**10:27**
